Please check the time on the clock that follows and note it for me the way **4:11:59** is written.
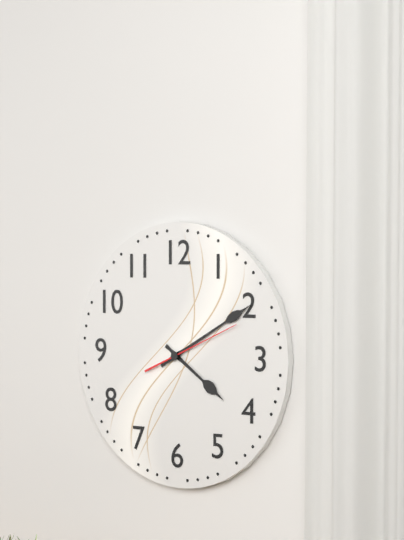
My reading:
**4:10:11**
